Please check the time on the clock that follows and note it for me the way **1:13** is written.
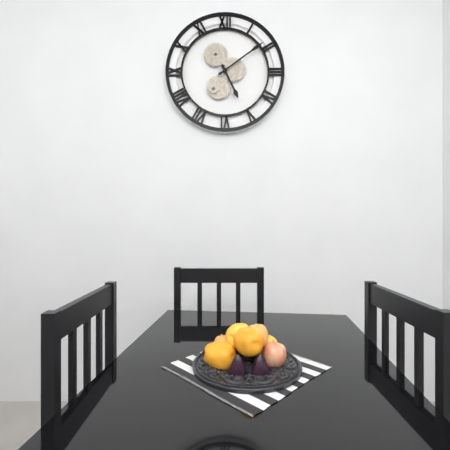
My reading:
**5:09**
